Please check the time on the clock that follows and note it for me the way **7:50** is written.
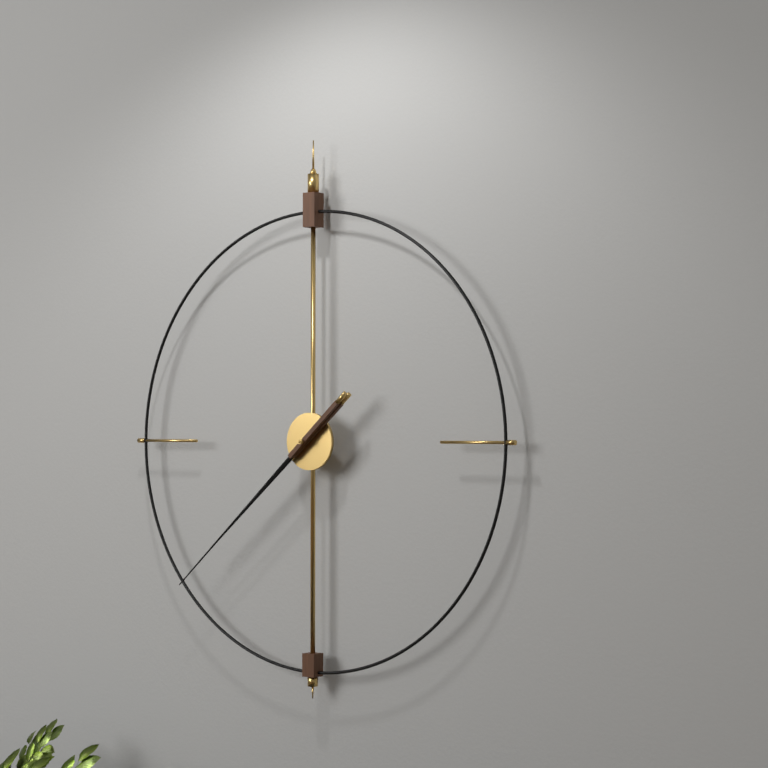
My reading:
**7:38**
